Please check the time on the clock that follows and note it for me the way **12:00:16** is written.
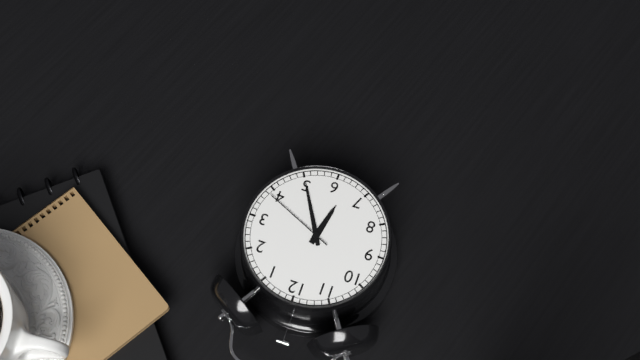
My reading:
**6:25:19**
